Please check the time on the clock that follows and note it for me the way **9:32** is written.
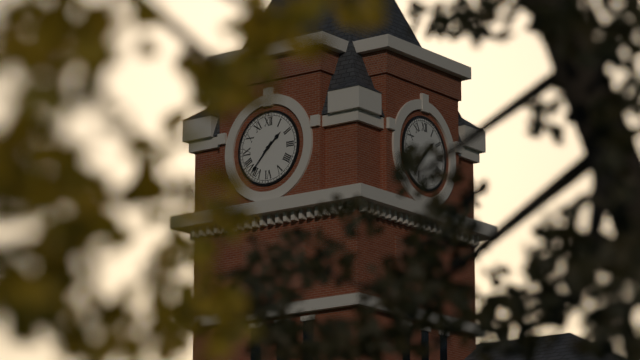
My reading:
**1:37**
